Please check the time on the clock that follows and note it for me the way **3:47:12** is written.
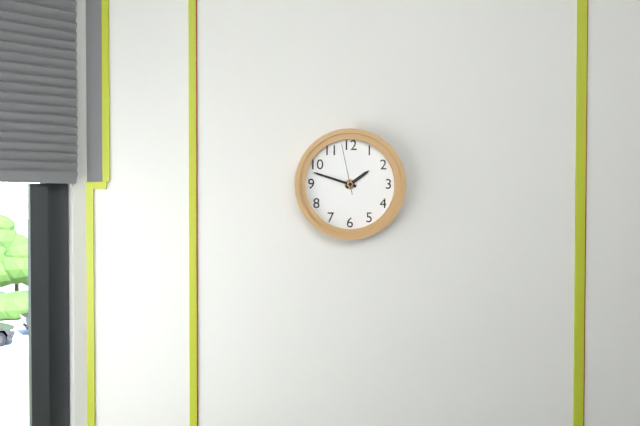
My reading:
**1:48:58**
